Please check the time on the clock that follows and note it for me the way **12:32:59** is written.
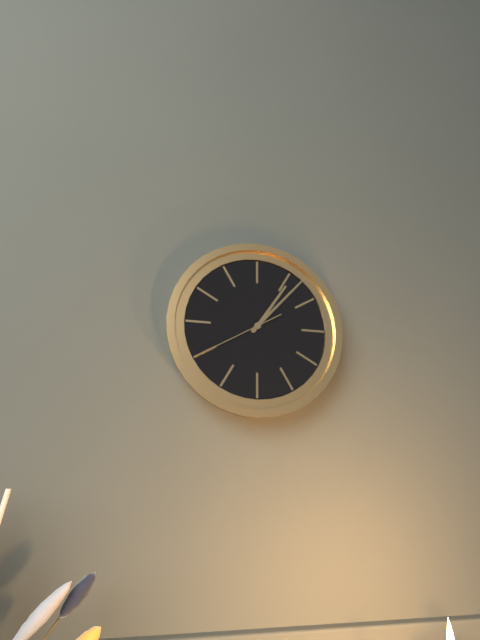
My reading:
**1:07:40**
